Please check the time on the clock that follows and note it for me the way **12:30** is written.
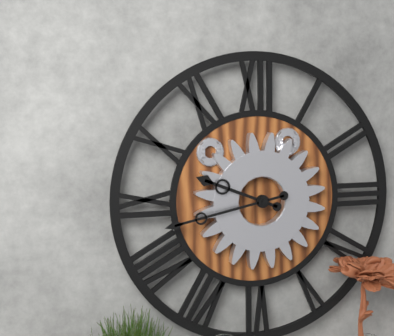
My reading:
**9:43**
